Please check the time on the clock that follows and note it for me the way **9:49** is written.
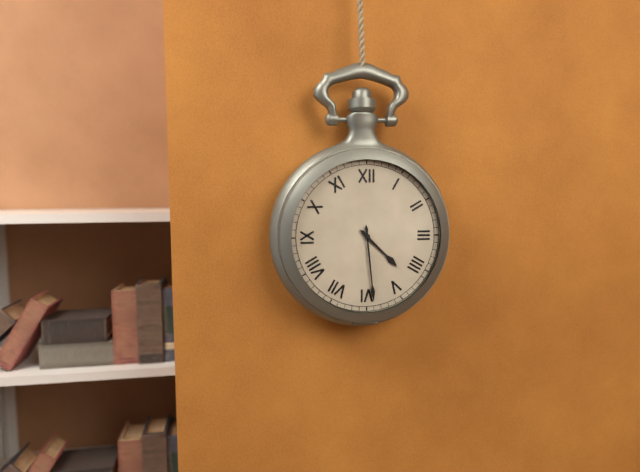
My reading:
**4:29**
